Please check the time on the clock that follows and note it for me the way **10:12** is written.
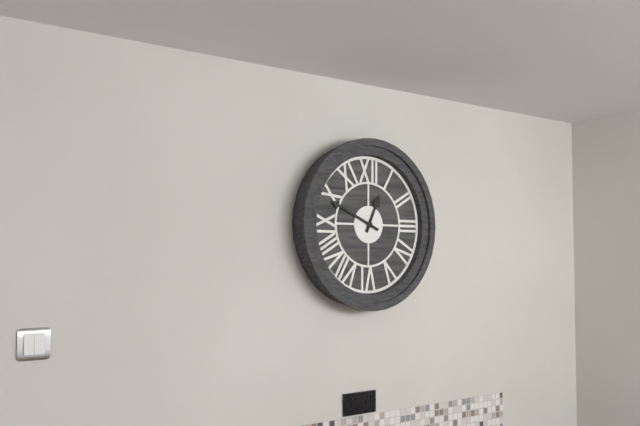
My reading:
**12:49**
